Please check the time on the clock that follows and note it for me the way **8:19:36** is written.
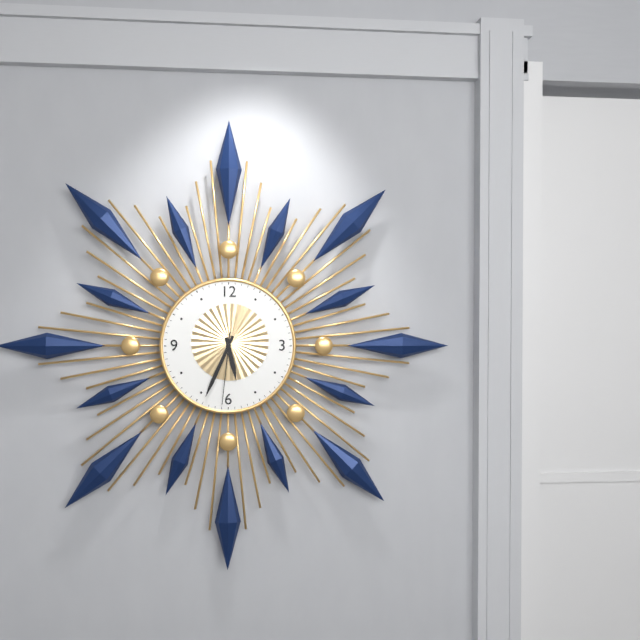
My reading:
**5:34:31**
